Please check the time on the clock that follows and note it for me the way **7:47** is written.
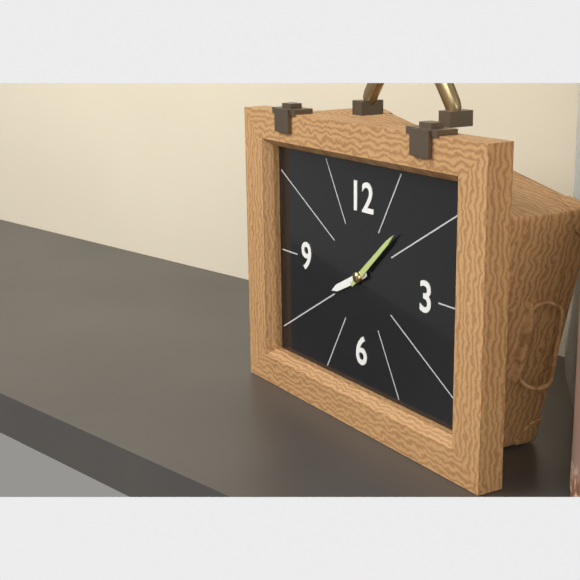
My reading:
**8:08**
